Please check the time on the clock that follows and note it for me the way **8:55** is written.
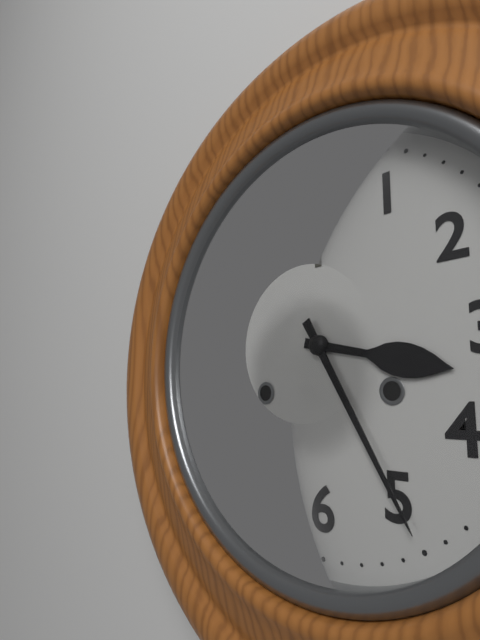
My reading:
**3:25**
